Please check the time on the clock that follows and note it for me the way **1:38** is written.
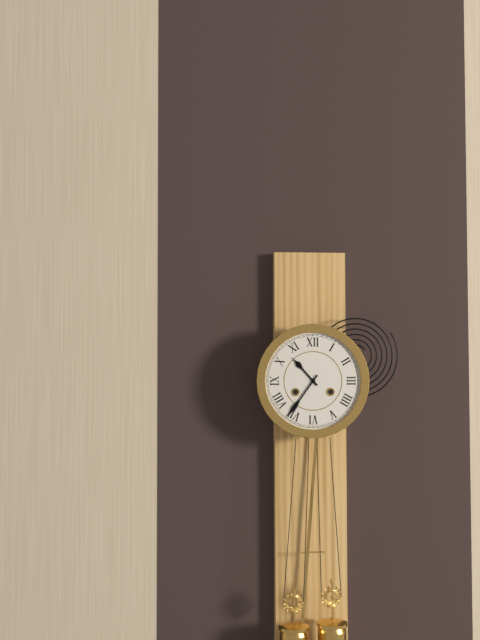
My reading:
**10:36**
